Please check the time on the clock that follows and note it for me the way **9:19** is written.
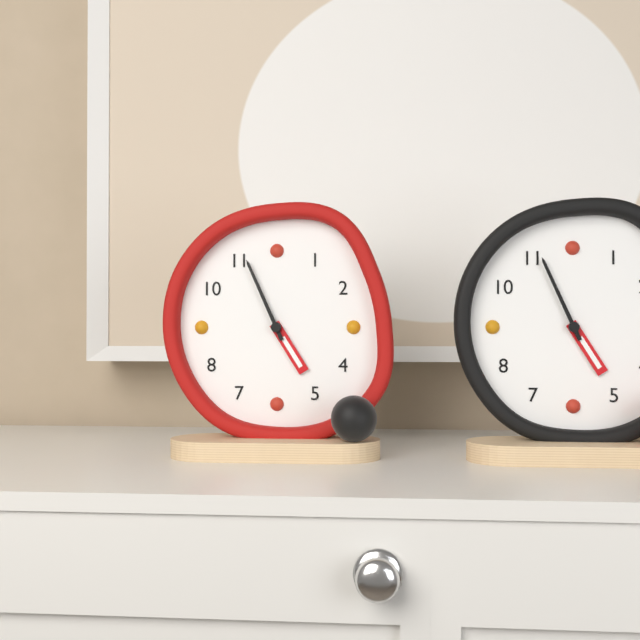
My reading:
**4:56**
